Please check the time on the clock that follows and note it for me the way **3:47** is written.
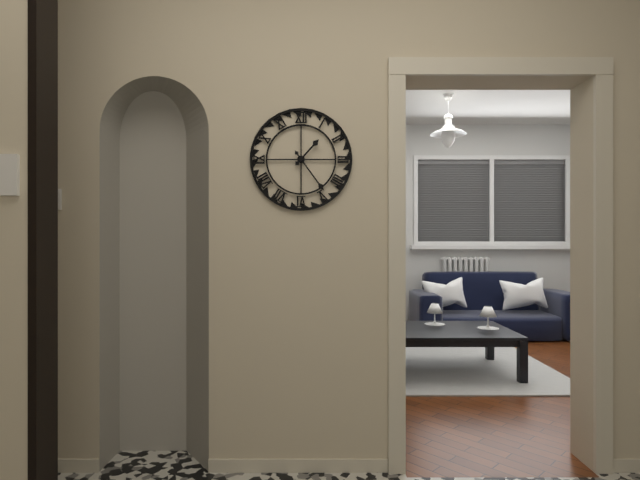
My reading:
**1:24**
